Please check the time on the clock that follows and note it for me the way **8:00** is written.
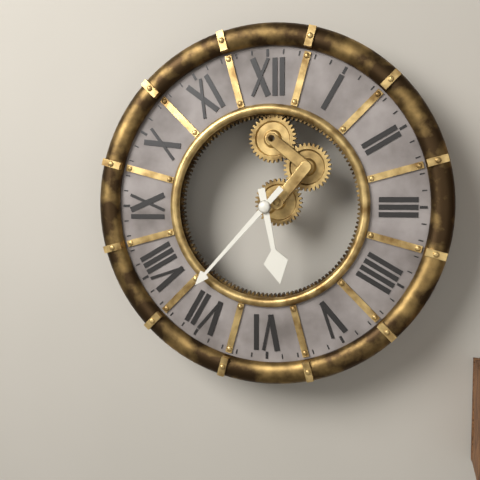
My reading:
**5:37**
